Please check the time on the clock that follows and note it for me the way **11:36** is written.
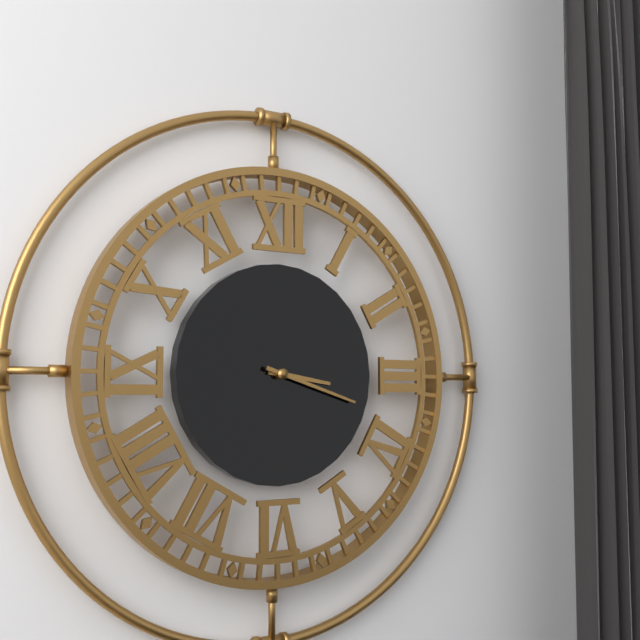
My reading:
**3:18**
